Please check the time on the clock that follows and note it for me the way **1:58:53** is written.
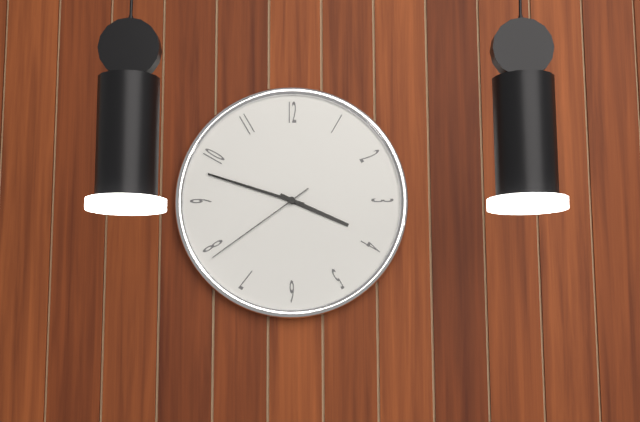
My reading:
**3:48:39**
